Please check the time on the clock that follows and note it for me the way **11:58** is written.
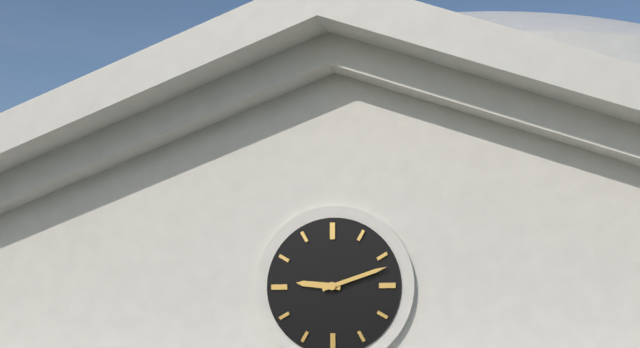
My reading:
**9:12**
